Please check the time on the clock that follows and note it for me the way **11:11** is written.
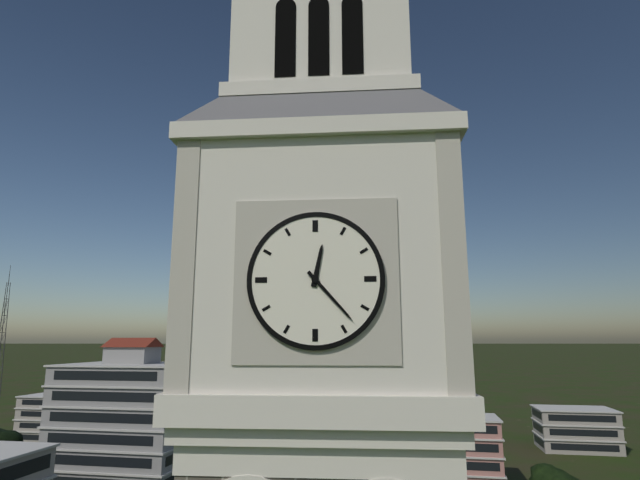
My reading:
**12:23**
